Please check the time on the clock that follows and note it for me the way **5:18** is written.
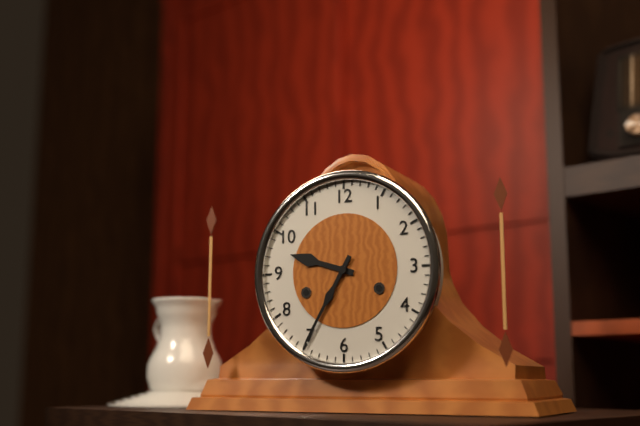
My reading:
**9:35**
